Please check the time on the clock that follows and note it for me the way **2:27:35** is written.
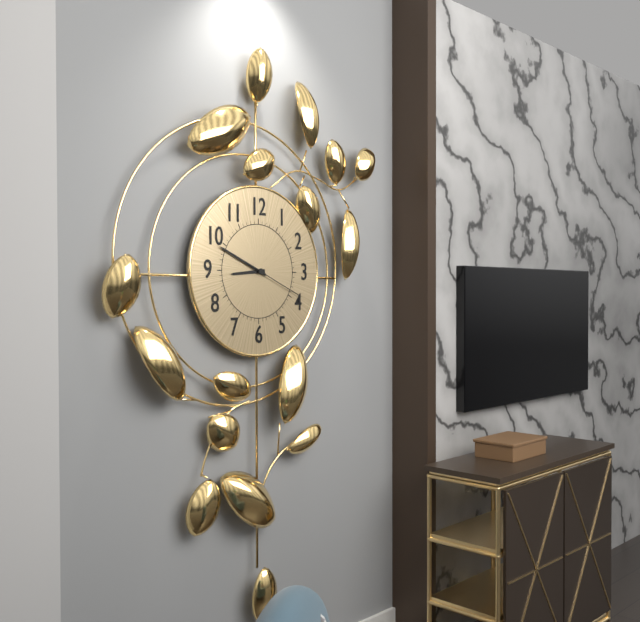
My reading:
**8:49:19**
